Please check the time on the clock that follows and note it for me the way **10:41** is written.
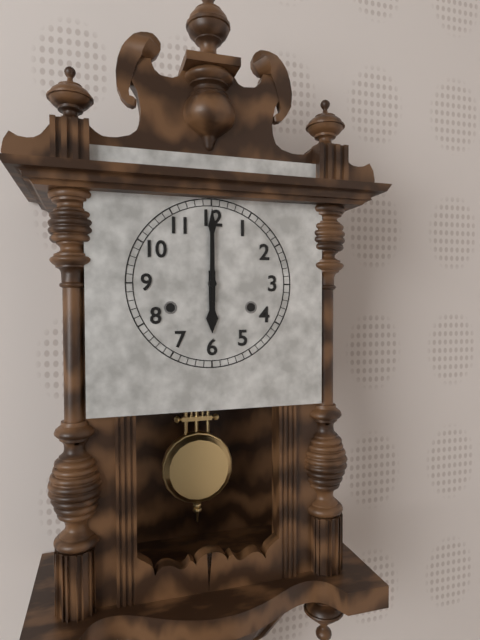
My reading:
**6:00**
